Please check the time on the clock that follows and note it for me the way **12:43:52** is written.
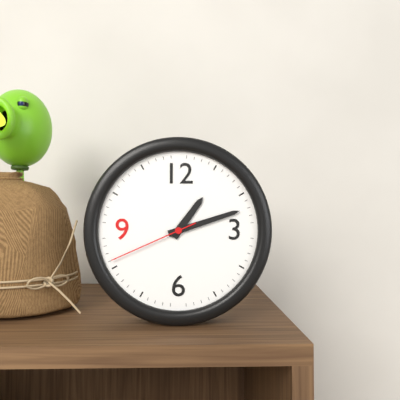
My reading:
**1:12:41**
